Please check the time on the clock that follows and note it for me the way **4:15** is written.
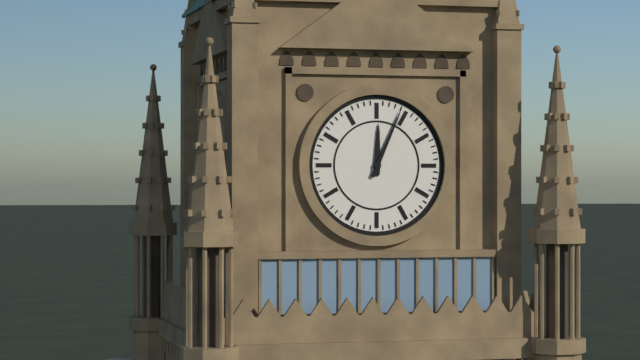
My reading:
**12:04**
